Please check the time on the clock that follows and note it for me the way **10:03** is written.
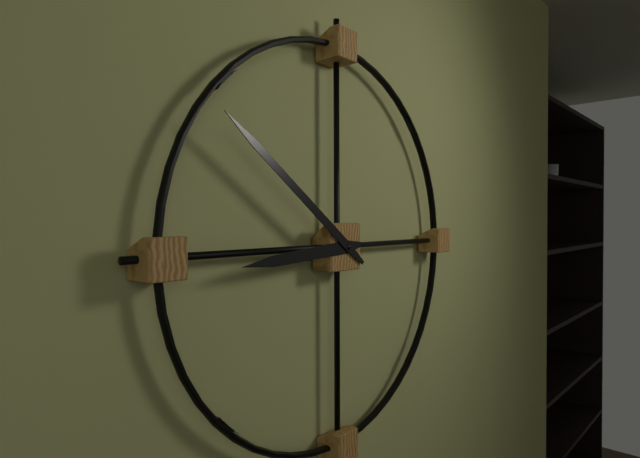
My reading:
**8:51**
